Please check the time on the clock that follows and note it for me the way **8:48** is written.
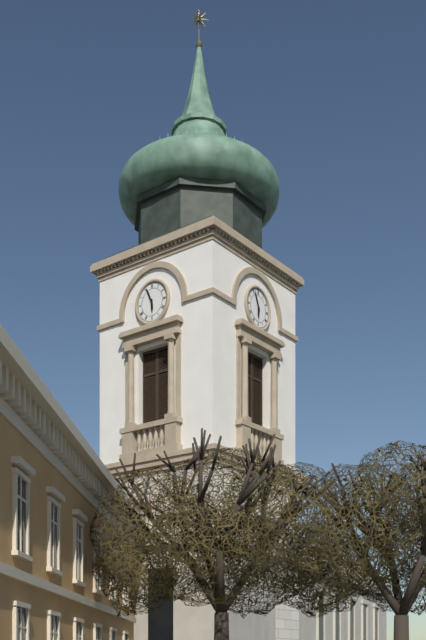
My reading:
**5:56**
